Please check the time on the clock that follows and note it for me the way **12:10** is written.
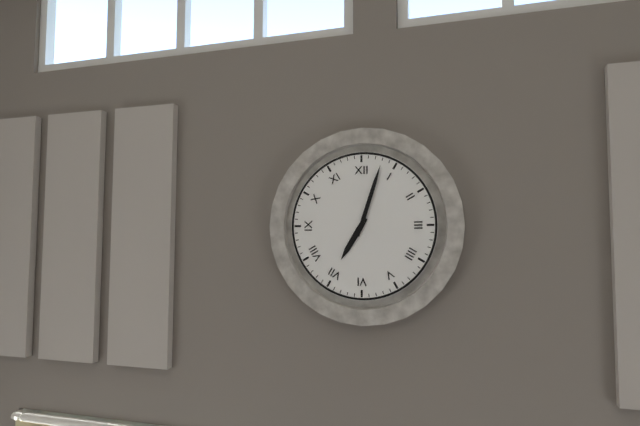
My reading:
**7:03**
